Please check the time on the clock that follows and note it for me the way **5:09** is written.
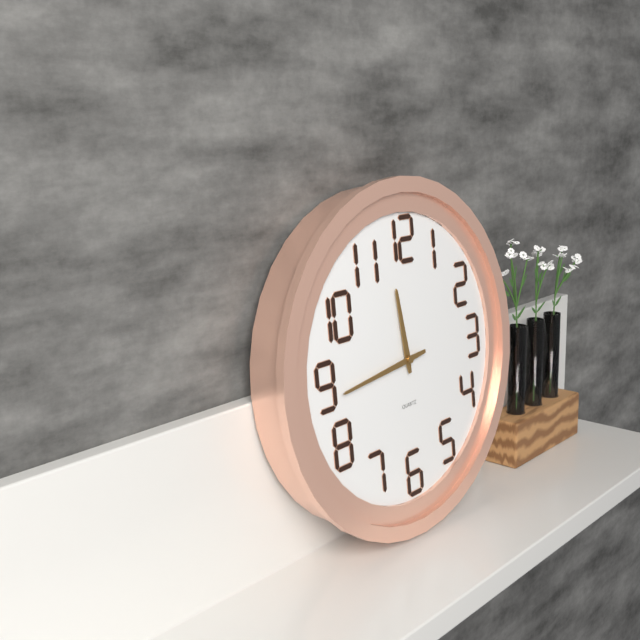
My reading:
**11:44**
